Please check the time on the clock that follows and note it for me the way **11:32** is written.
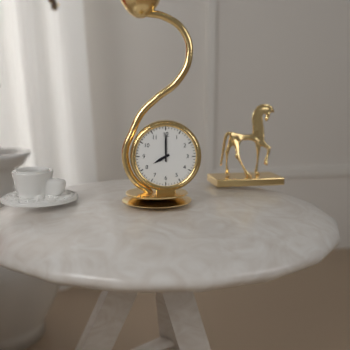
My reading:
**8:00**
